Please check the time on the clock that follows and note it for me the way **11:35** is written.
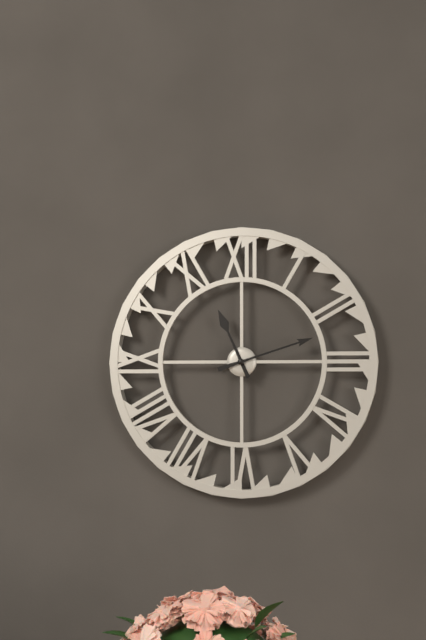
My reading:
**11:12**
